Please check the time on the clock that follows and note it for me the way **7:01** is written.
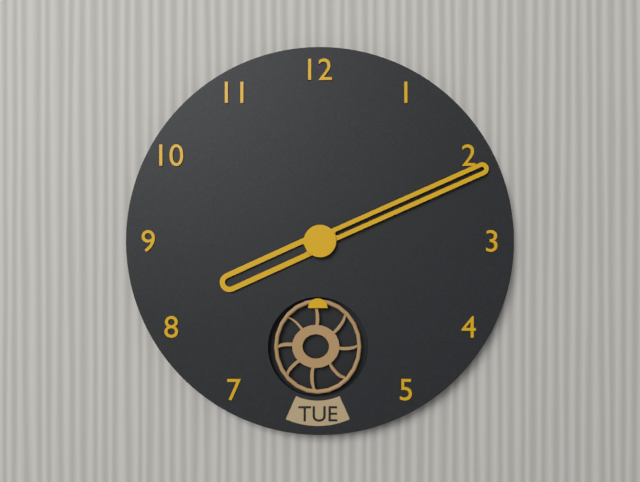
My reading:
**8:11**
